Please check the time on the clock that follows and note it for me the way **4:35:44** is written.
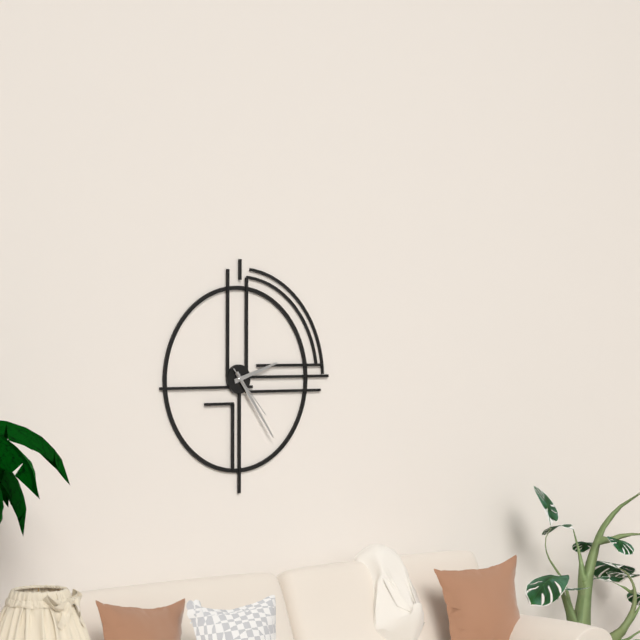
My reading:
**2:24:23**
